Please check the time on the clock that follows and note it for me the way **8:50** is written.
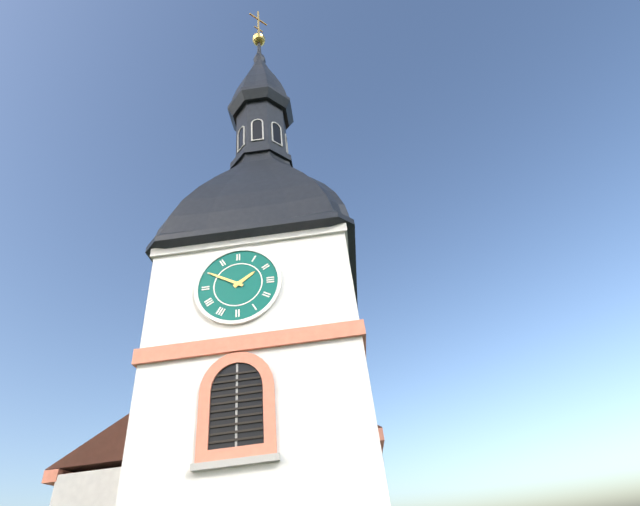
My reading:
**1:50**
